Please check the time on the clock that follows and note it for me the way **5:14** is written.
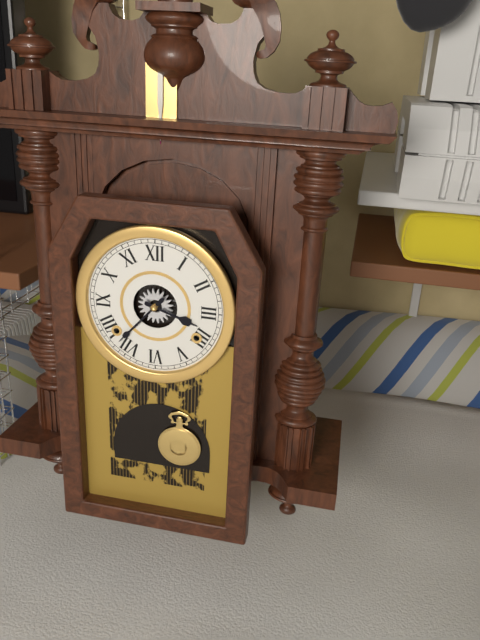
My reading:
**3:37**
